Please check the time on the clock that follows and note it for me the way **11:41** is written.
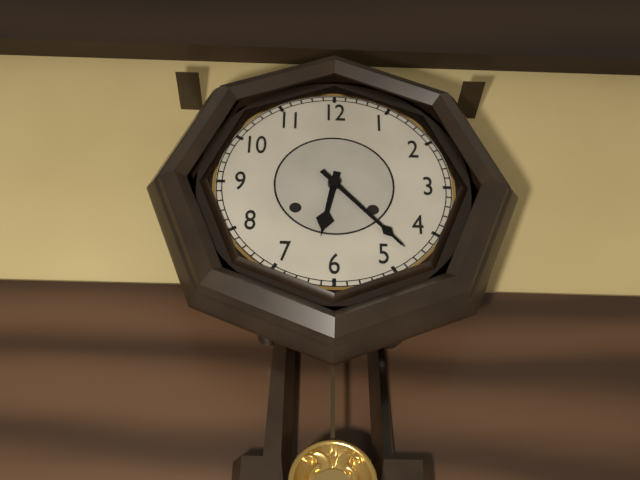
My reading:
**6:23**
